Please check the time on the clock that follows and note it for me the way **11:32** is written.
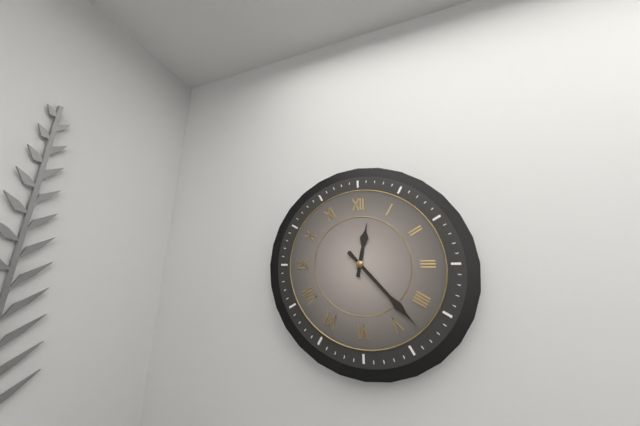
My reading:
**12:23**
